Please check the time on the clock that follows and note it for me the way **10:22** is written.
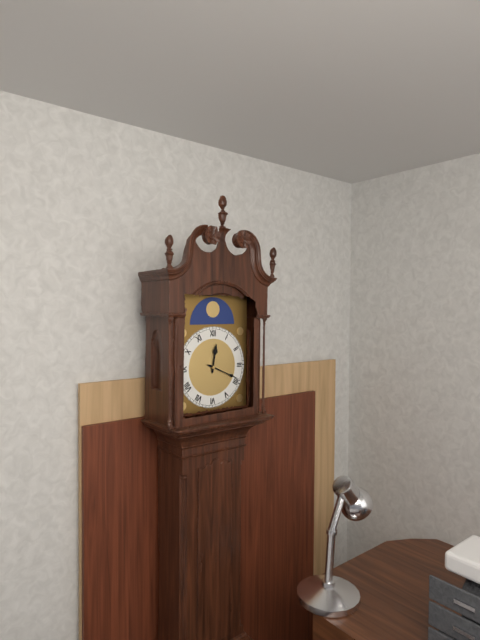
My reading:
**12:19**
